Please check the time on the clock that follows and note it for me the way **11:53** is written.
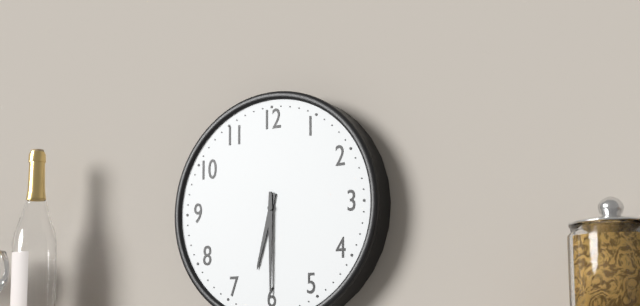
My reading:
**6:30**
